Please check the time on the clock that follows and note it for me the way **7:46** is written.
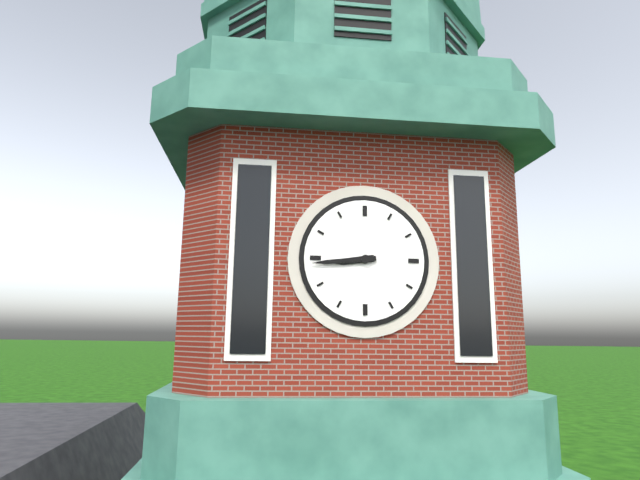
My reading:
**8:44**
